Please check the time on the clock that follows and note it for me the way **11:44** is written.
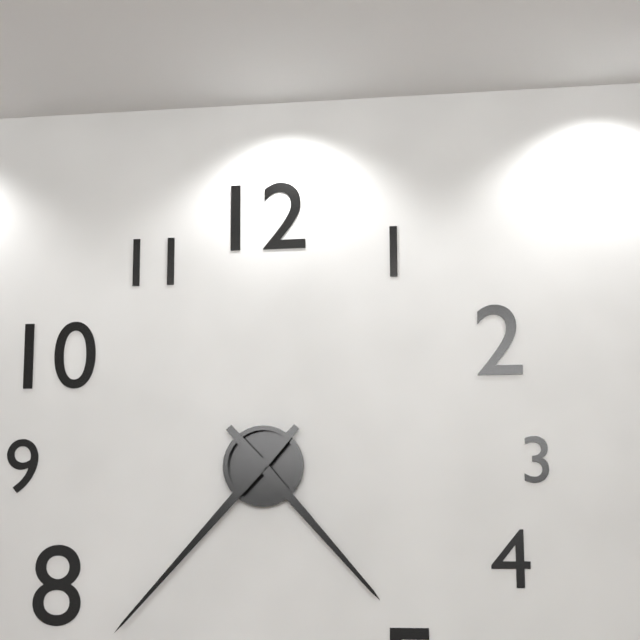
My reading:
**4:37**
